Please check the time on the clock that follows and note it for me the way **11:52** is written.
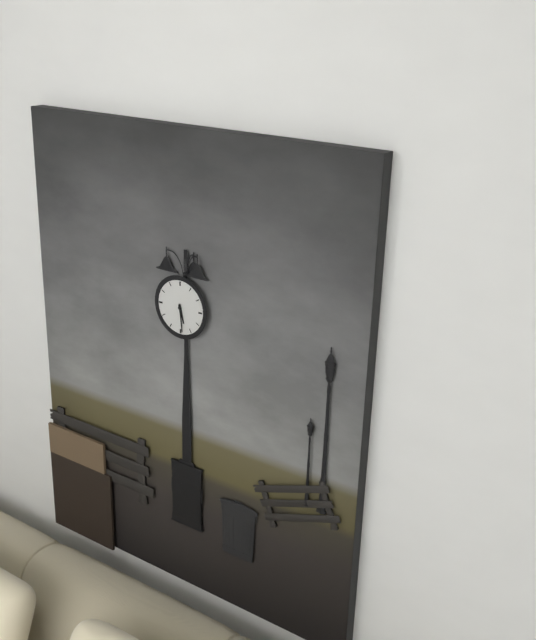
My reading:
**5:29**
